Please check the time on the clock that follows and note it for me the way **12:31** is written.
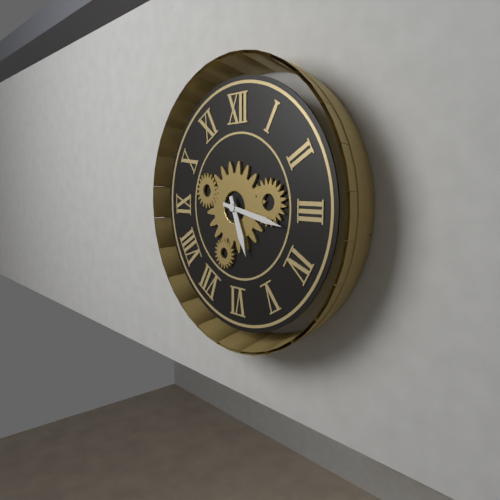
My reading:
**5:17**
